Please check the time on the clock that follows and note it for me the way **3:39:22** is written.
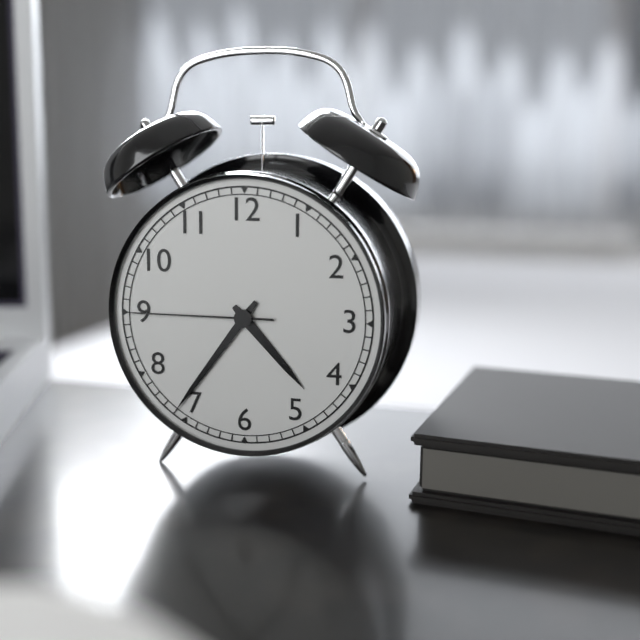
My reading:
**4:36:45**
